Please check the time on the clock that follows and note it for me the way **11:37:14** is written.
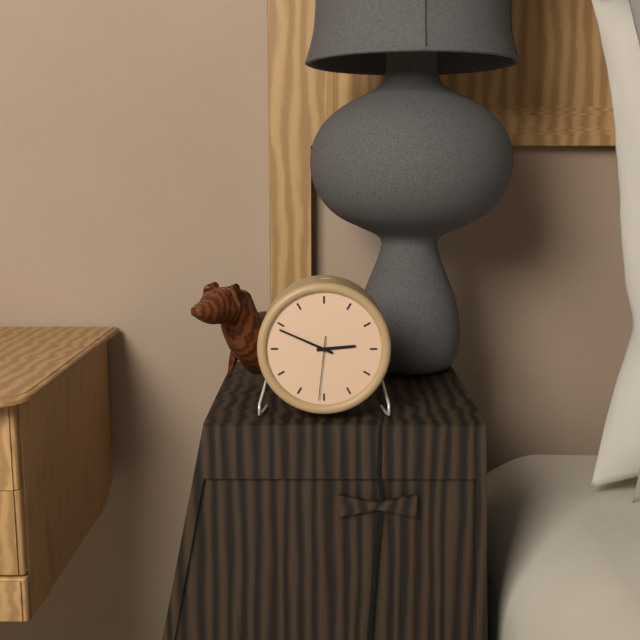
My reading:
**2:49:31**
